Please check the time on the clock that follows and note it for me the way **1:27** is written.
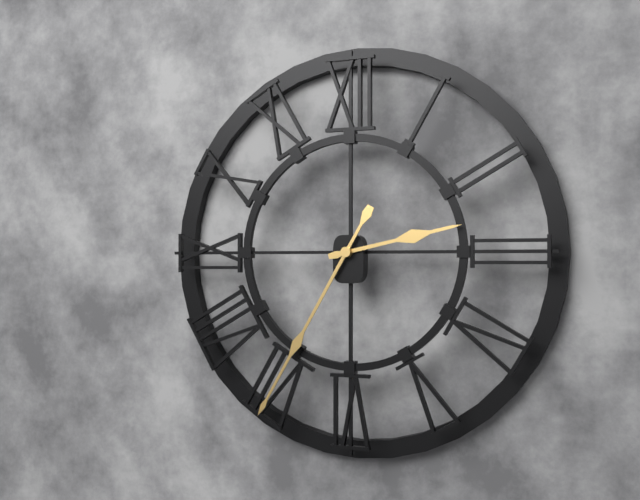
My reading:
**2:35**
